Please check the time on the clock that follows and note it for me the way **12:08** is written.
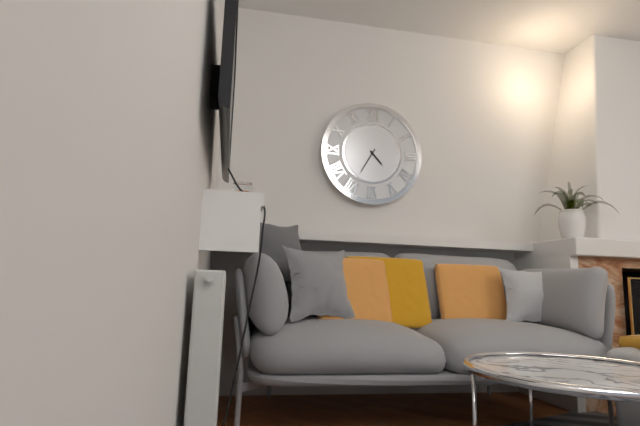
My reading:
**4:35**
